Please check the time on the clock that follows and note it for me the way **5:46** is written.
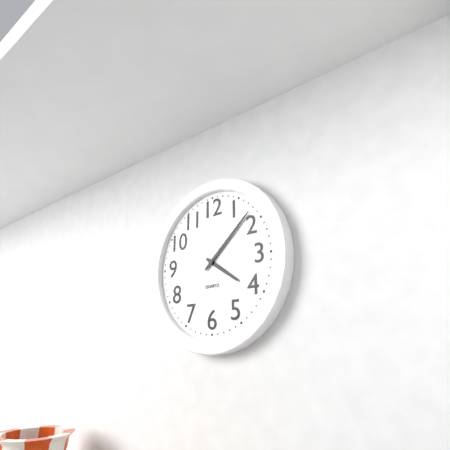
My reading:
**4:08**
